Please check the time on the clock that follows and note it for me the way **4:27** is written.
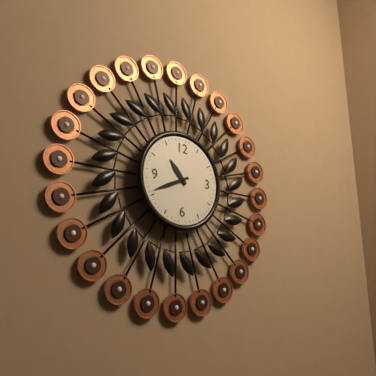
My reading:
**10:41**
